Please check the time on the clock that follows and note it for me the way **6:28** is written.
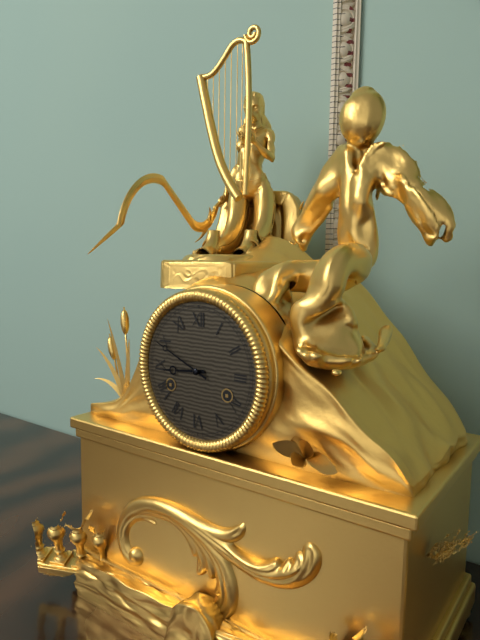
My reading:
**8:49**
